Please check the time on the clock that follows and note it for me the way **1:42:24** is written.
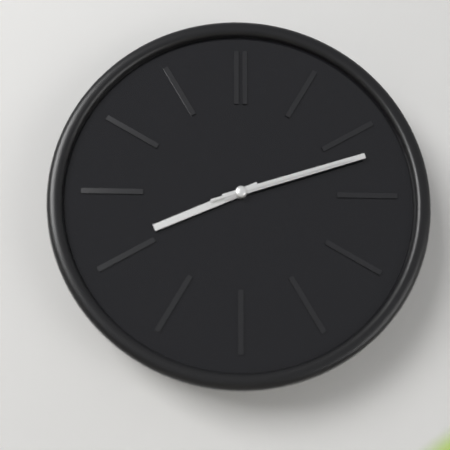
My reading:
**8:12:12**
